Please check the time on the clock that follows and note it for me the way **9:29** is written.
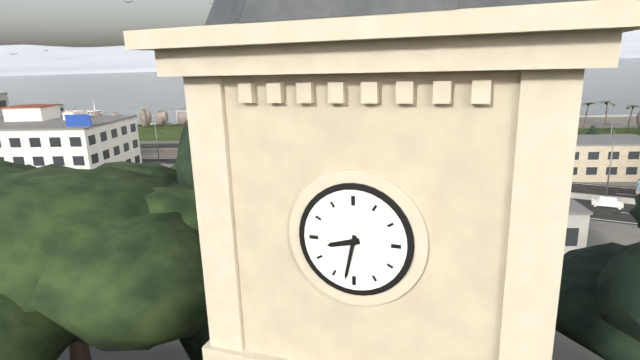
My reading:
**8:32**
